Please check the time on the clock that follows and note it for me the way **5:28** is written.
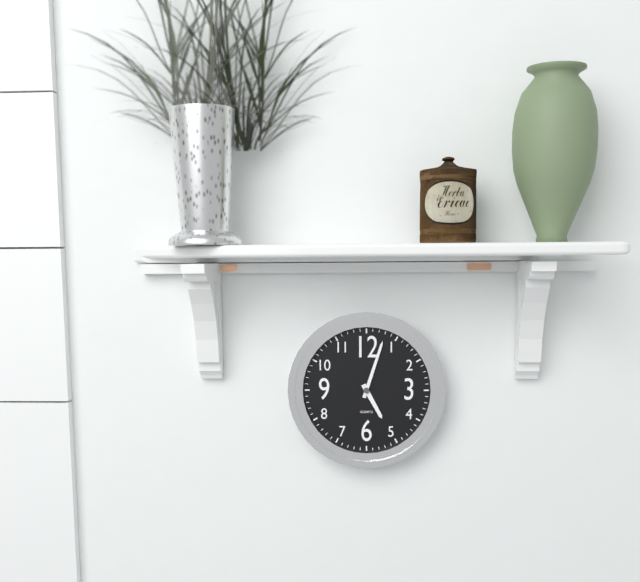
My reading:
**5:03**
